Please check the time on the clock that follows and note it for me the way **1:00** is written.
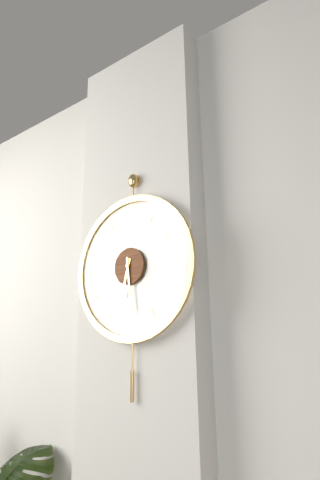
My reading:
**6:29**
